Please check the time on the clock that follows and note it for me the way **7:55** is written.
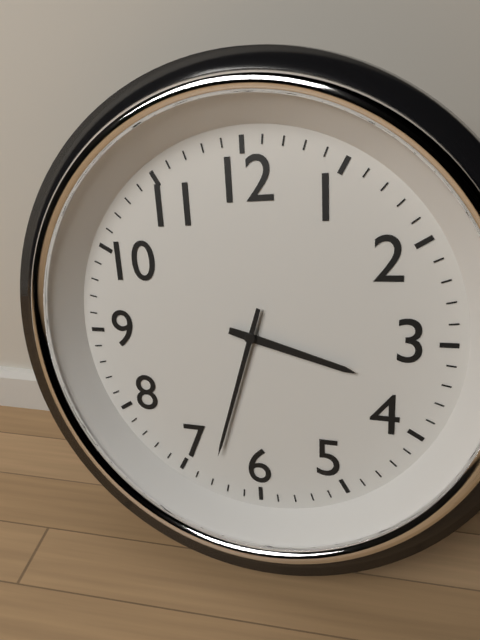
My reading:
**3:33**
